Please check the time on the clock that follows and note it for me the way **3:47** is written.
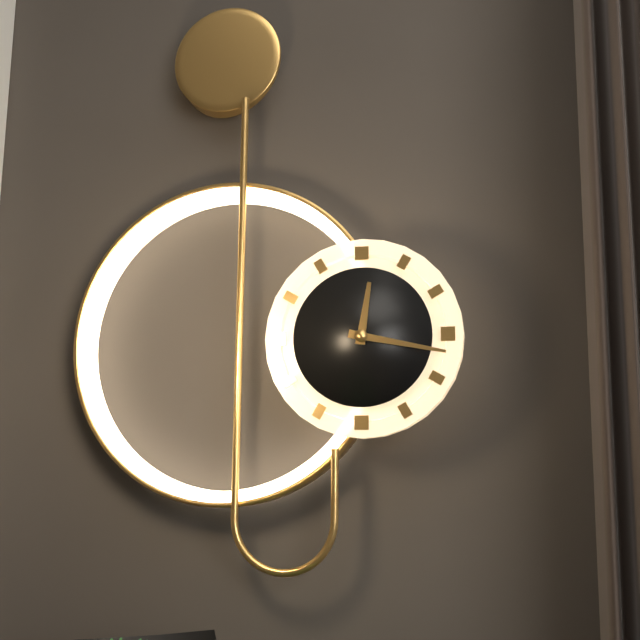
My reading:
**12:17**
